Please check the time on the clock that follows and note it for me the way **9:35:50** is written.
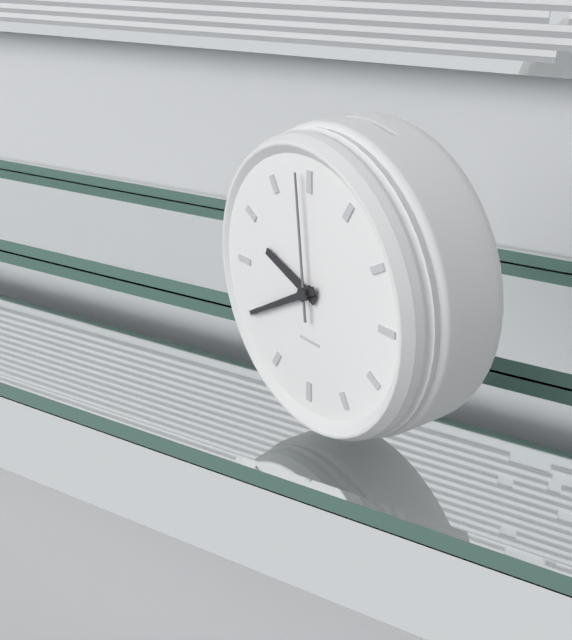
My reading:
**9:40:59**
